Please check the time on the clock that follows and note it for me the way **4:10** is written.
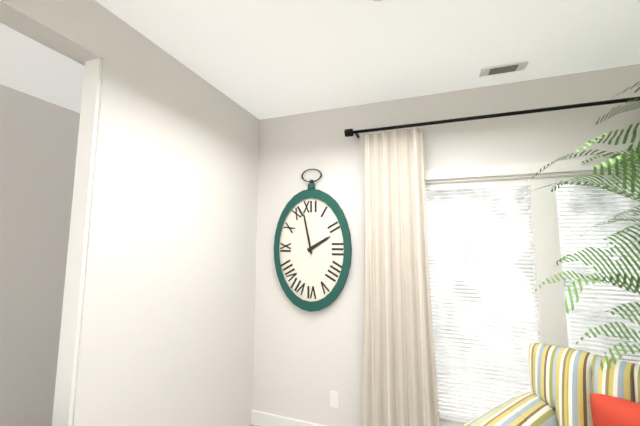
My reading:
**1:58**
